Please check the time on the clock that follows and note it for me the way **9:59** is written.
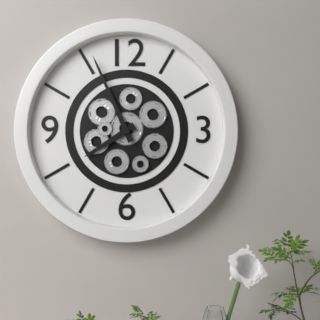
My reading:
**7:56**
